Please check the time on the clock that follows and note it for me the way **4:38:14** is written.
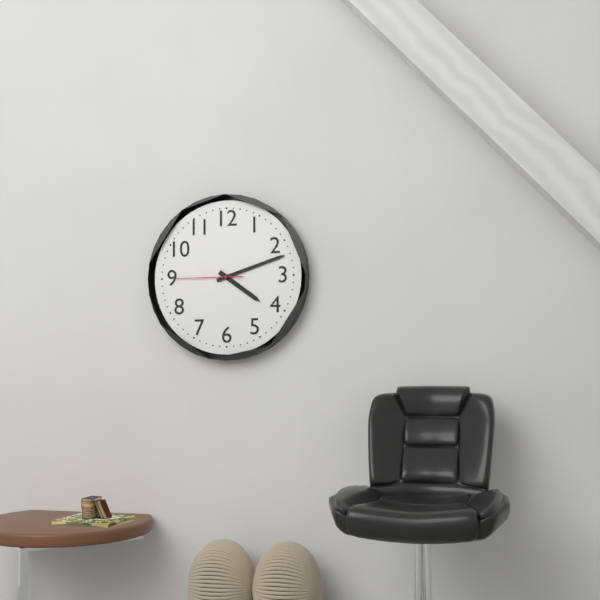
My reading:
**4:12:45**
